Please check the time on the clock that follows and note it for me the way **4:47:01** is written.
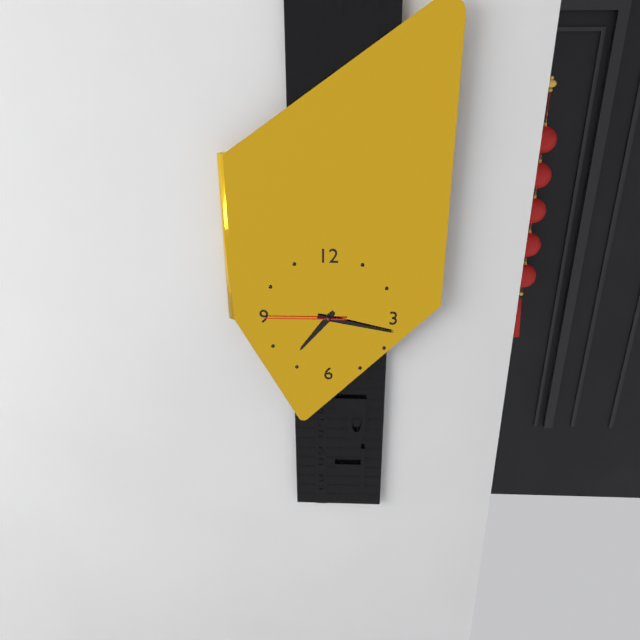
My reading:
**7:17:45**
